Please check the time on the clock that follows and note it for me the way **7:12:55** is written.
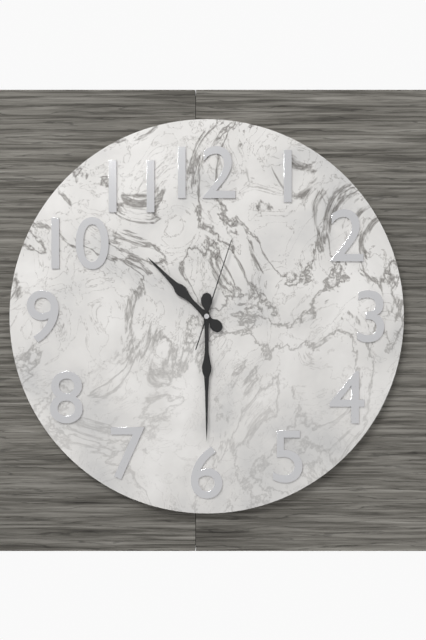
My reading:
**10:30:03**
